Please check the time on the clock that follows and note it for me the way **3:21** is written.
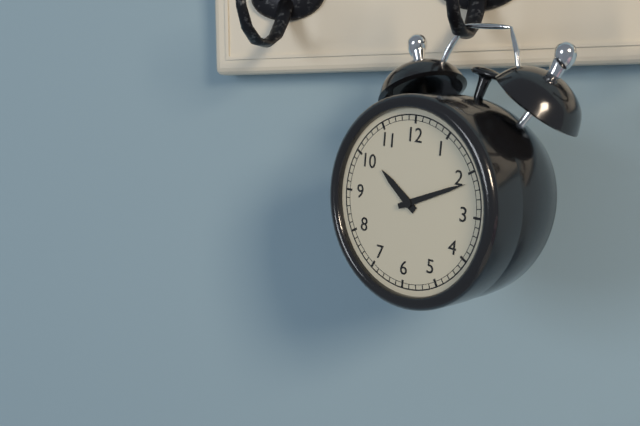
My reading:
**10:11**
